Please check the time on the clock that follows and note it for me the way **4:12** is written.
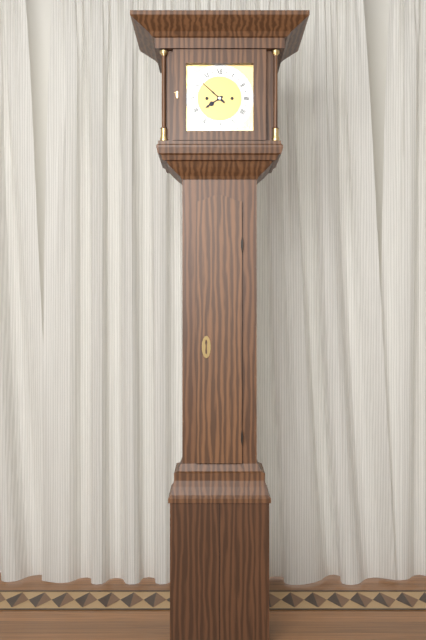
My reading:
**7:52**
